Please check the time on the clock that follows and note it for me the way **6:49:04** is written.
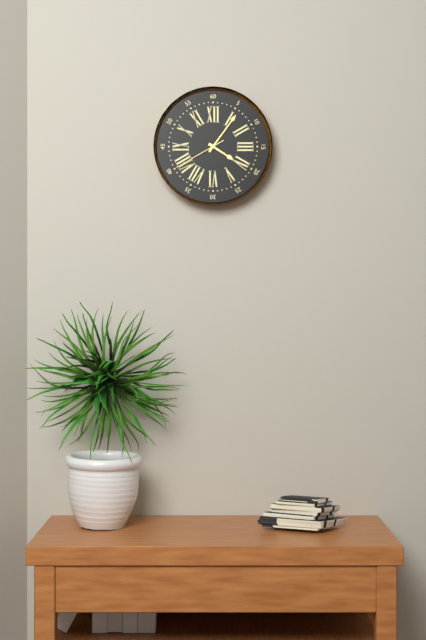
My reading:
**4:06:40**
